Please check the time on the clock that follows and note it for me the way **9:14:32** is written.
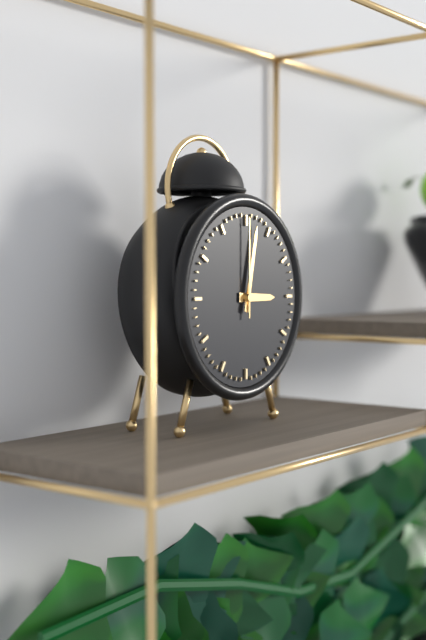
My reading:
**3:02:00**
